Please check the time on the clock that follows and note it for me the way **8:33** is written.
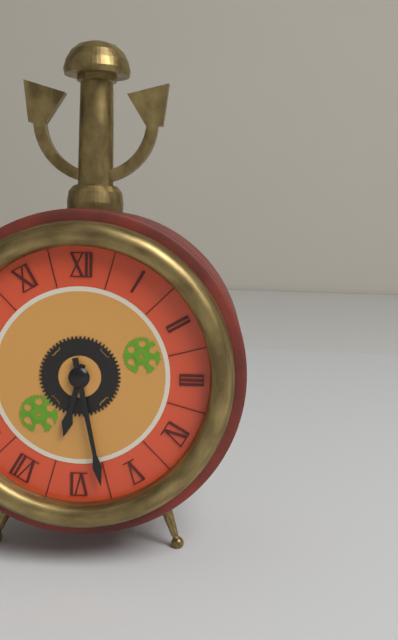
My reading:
**6:28**
